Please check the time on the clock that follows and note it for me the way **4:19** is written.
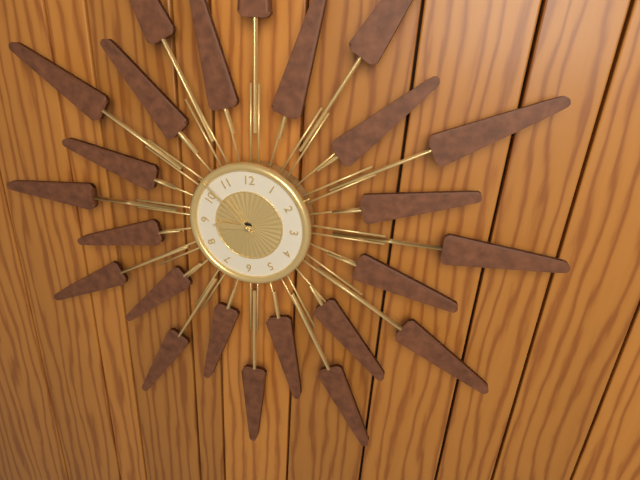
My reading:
**8:52**
